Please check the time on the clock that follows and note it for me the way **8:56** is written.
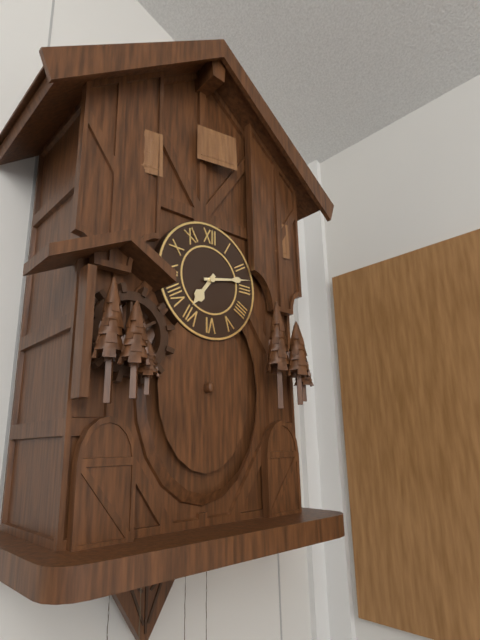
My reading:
**7:13**
